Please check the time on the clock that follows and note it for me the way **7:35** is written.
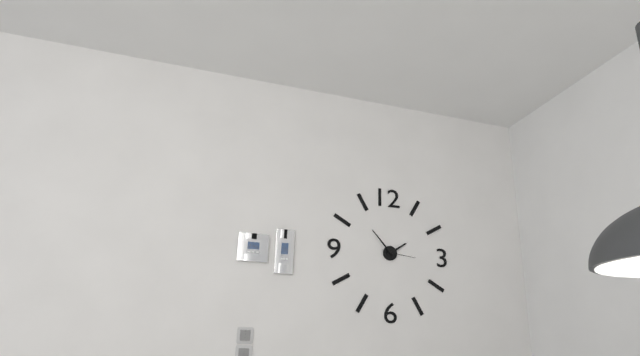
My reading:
**1:53**
